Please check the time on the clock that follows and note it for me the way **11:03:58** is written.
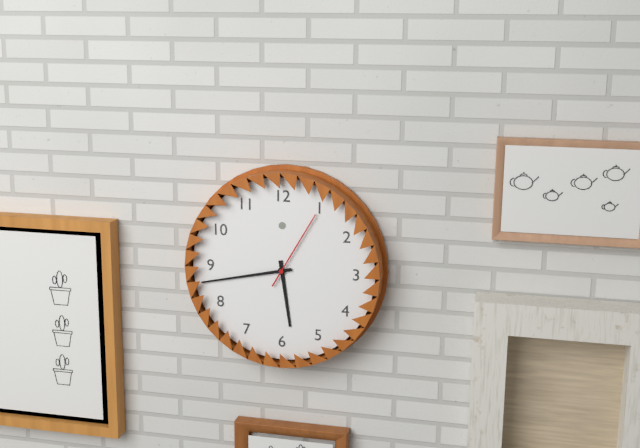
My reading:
**5:43:05**
